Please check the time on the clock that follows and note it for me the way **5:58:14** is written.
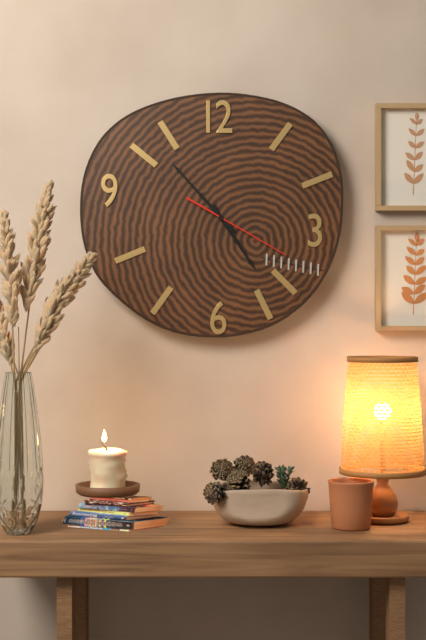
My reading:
**4:53:20**
